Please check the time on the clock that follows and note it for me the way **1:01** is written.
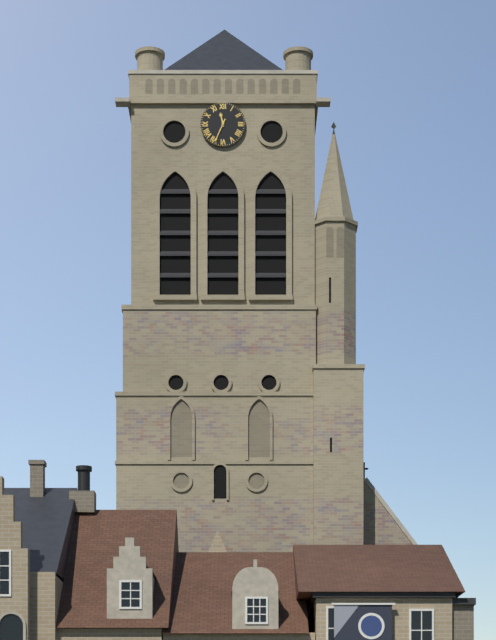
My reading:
**11:34**
